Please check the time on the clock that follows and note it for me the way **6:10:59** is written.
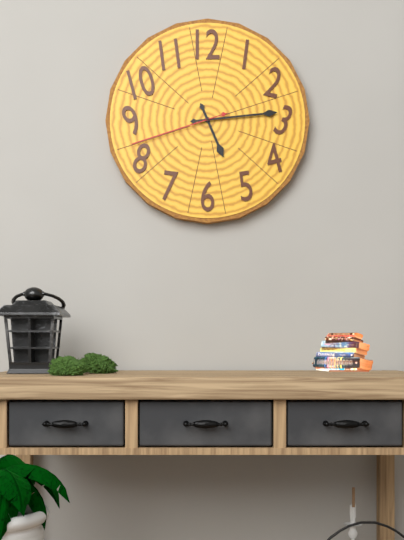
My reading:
**5:14:42**
